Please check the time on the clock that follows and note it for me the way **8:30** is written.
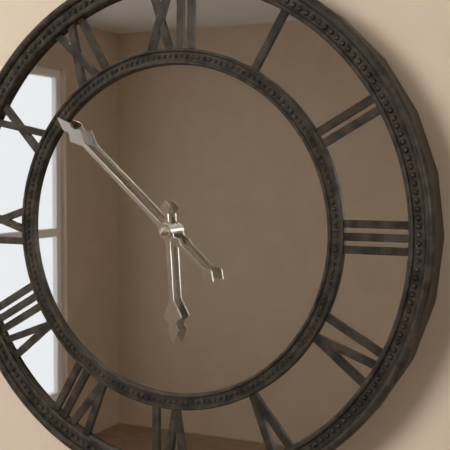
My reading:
**5:52**
